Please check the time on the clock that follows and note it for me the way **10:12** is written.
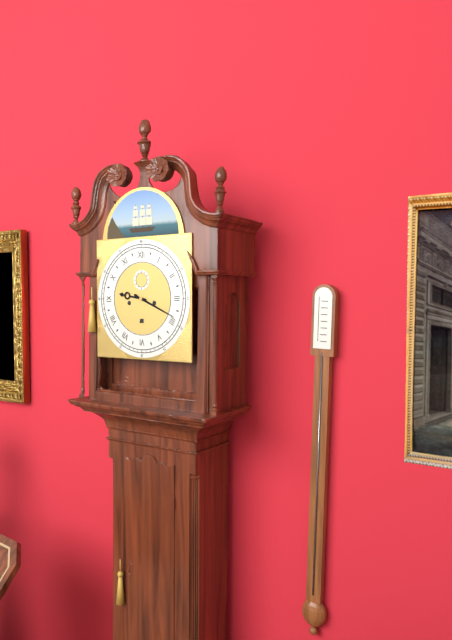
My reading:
**9:19**
